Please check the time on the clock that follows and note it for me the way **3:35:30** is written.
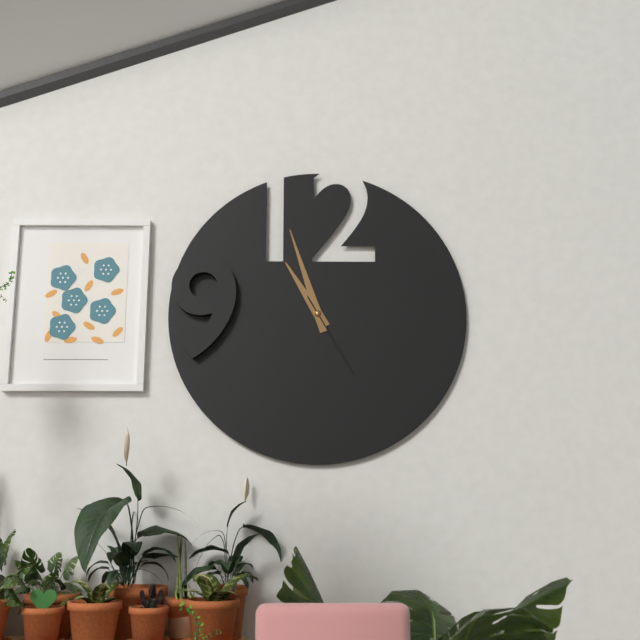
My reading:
**10:57:25**
